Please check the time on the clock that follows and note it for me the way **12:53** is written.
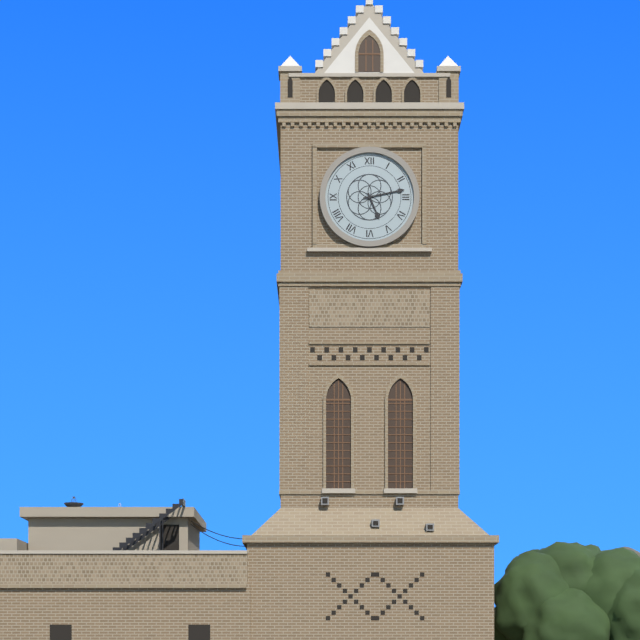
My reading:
**5:13**
